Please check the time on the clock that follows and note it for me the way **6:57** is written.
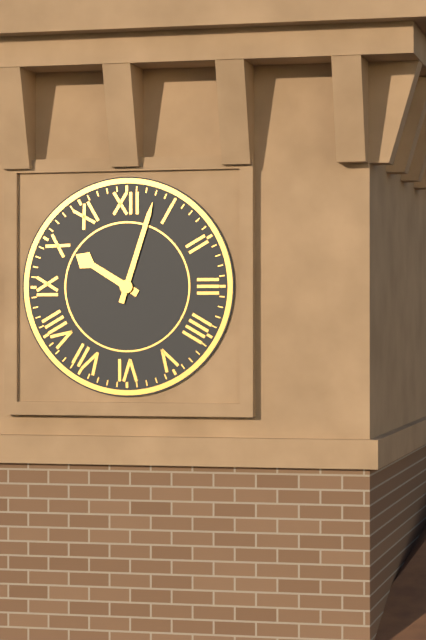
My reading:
**10:03**
